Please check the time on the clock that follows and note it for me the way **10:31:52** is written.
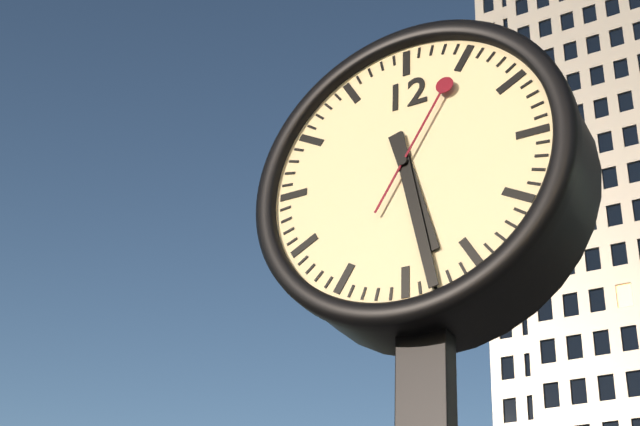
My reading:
**5:28:05**
